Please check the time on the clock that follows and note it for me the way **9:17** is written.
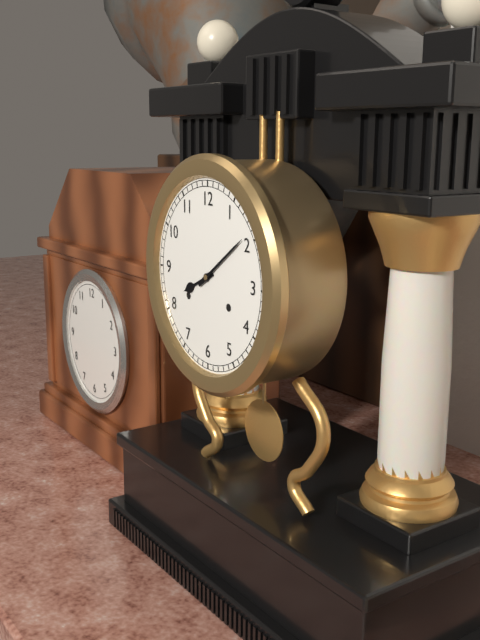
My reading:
**8:09**
